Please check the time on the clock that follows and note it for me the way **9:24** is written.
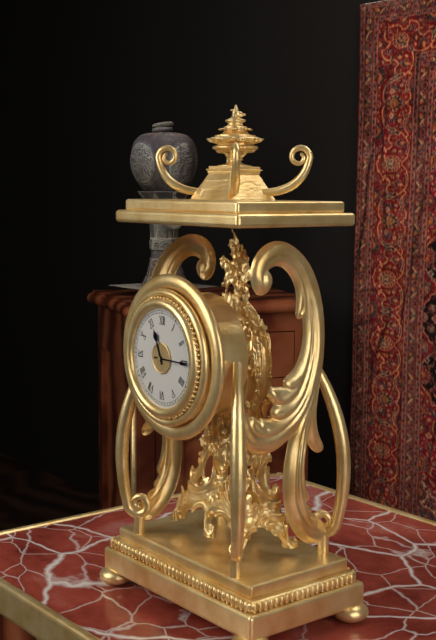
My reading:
**11:15**
